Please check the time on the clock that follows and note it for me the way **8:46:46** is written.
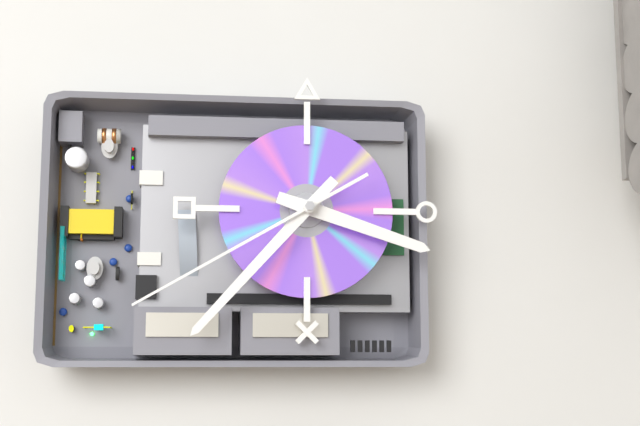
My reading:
**3:37:40**
